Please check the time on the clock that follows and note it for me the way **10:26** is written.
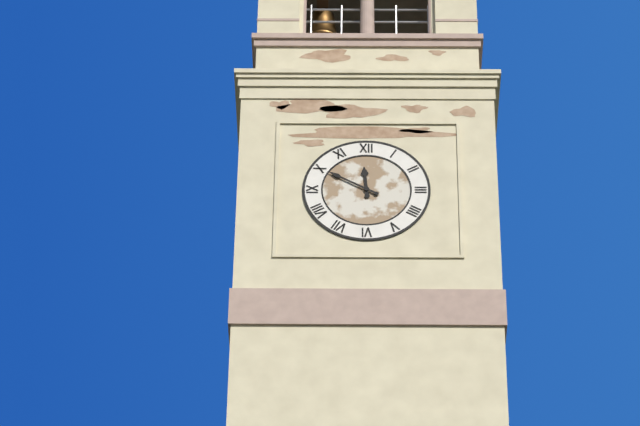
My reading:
**11:50**
